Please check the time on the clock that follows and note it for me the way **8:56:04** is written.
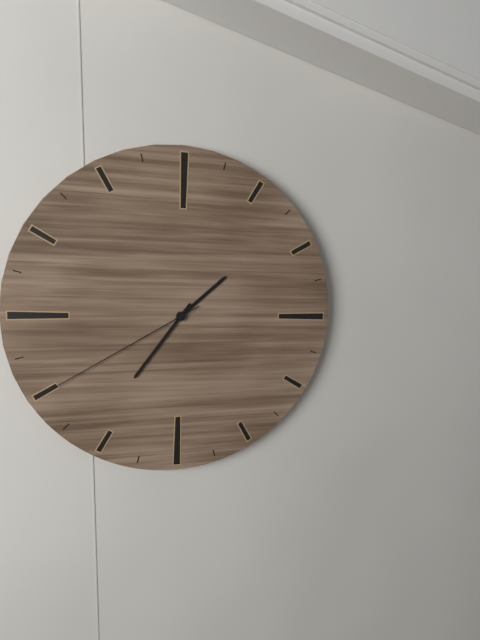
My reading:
**1:36:40**
